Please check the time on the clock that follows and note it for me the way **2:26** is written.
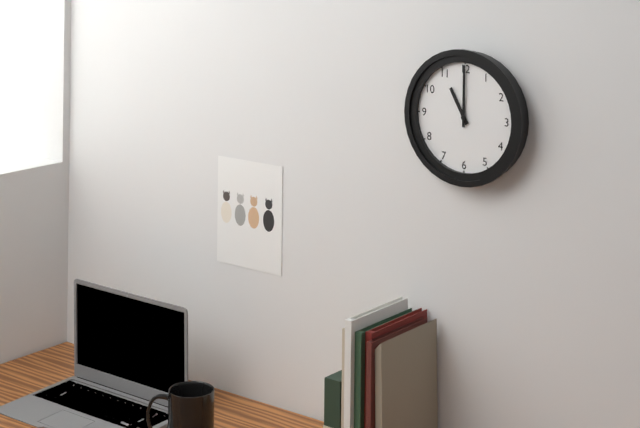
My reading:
**11:00**
